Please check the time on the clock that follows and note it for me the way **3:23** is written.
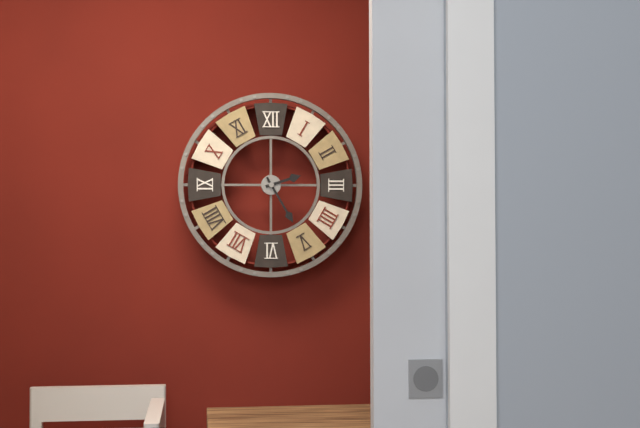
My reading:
**2:25**
